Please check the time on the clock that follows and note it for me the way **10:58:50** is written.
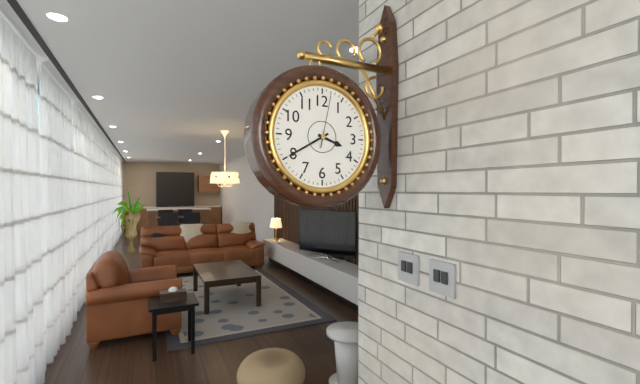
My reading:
**3:40:02**
